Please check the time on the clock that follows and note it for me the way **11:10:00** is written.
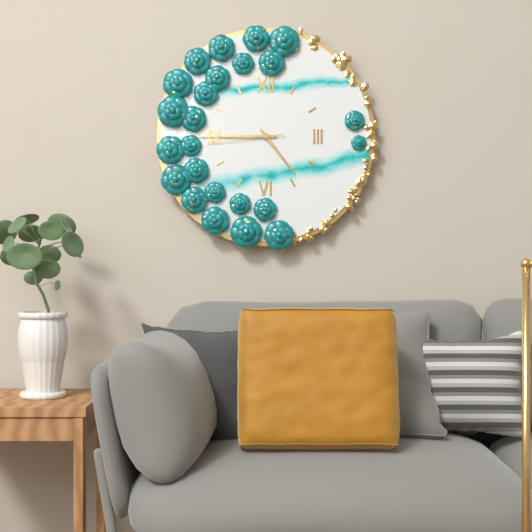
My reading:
**4:45:44**
